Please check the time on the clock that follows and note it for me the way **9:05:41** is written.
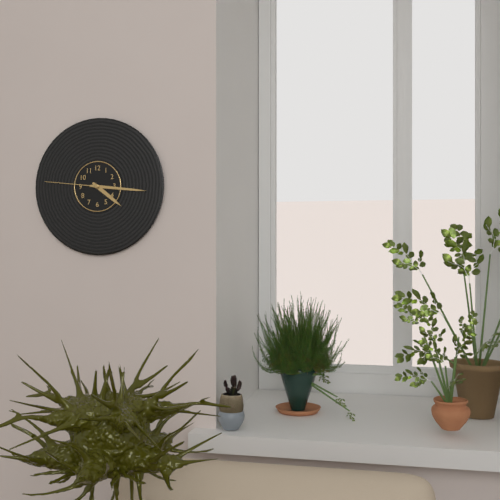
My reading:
**4:16:46**
